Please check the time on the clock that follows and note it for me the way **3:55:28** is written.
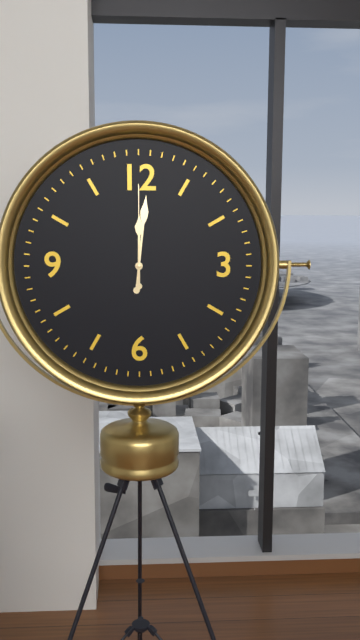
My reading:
**12:01:00**
